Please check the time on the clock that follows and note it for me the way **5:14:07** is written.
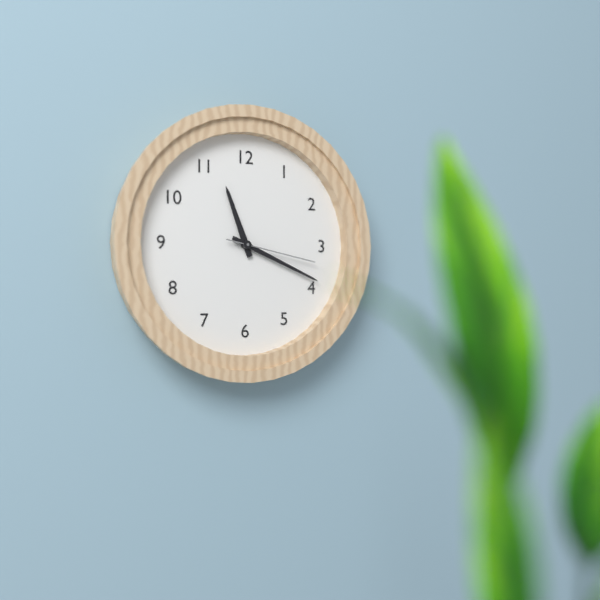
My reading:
**11:19:17**
